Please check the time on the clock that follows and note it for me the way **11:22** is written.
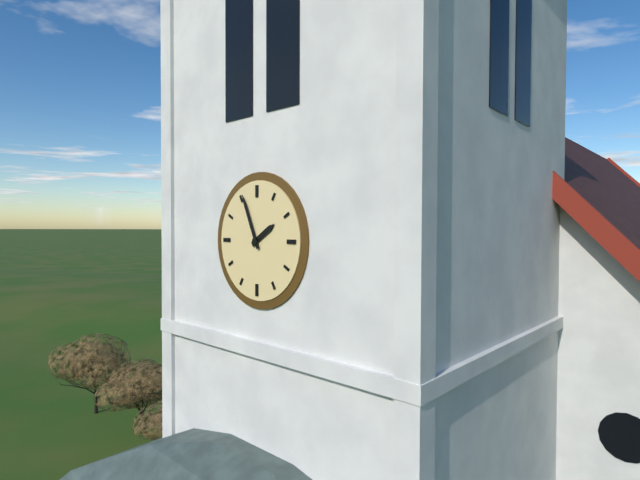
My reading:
**1:56**
